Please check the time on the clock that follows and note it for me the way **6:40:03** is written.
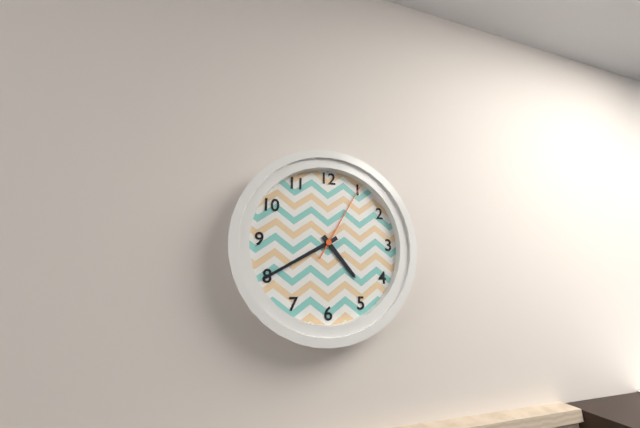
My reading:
**4:40:05**
